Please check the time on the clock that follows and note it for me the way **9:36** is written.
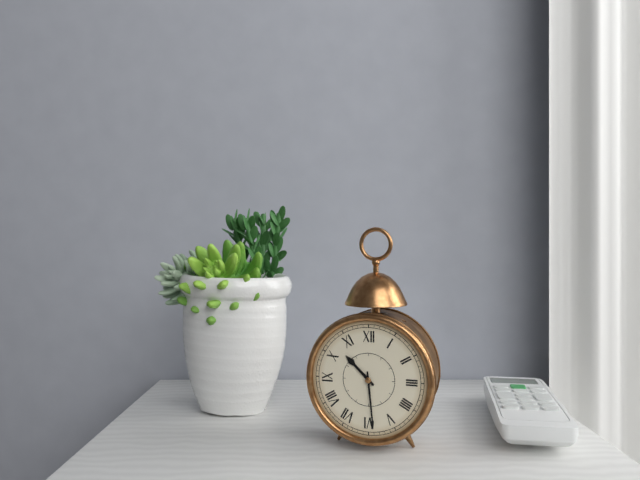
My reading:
**10:29**
